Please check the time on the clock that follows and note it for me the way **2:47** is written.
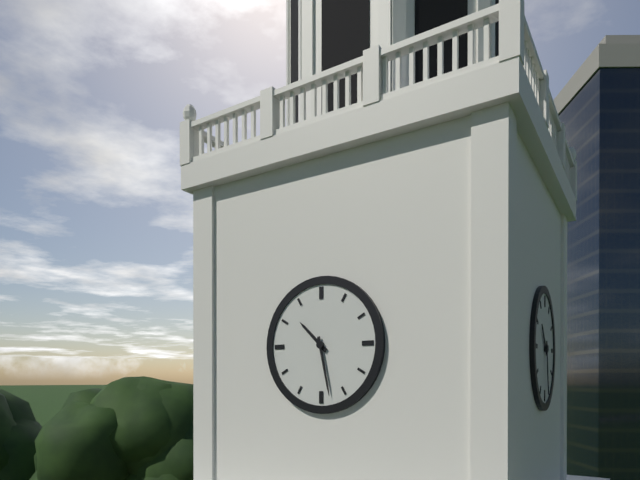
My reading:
**10:28**
